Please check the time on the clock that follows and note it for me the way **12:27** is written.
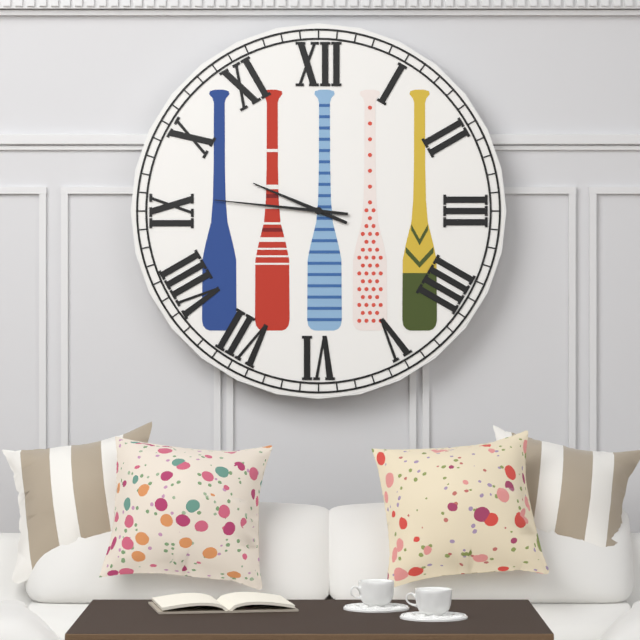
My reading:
**9:46**
